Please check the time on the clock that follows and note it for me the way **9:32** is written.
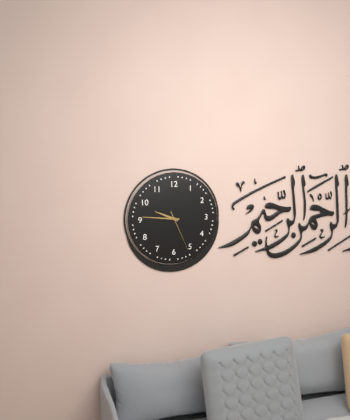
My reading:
**9:46**
